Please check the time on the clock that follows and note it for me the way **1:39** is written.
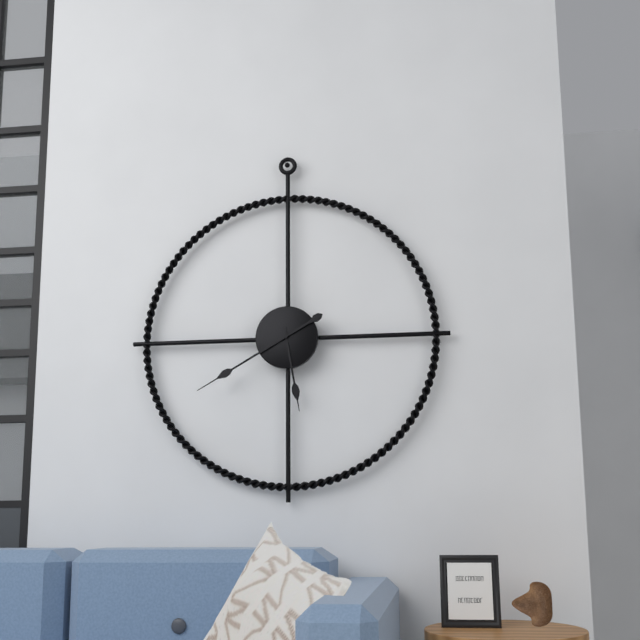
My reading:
**5:40**
